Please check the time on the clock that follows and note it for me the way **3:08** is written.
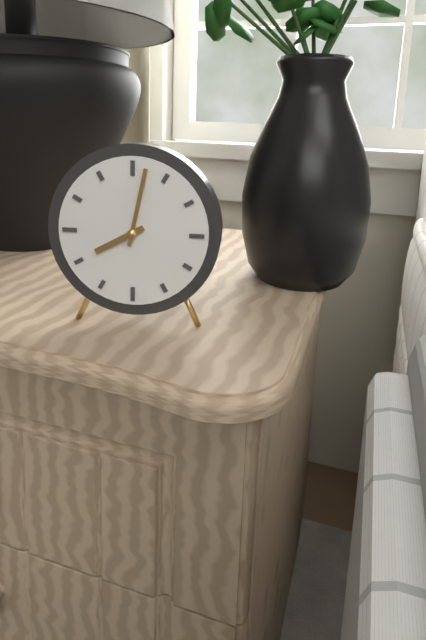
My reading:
**8:02**
